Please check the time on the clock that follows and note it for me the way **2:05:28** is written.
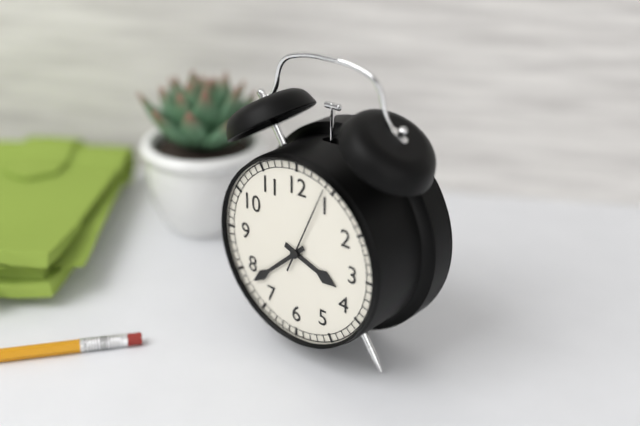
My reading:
**3:38:04**
